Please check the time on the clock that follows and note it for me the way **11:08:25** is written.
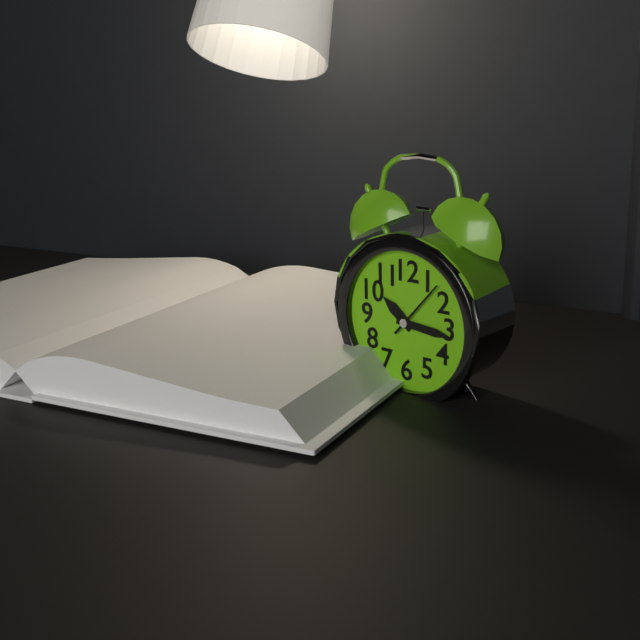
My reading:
**10:16:07**
